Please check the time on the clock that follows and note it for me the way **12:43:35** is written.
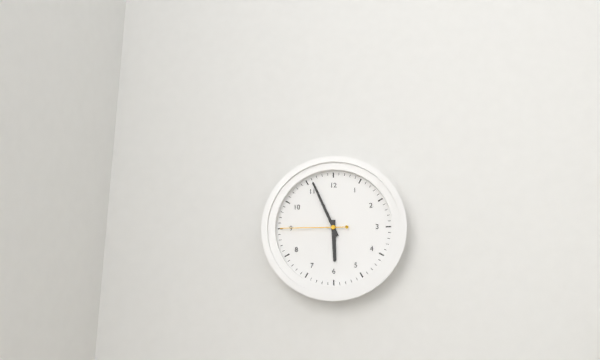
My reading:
**5:56:45**
